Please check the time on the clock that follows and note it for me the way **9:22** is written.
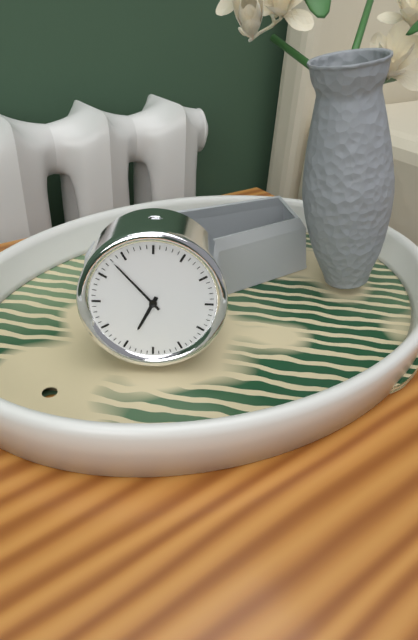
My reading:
**6:53**
